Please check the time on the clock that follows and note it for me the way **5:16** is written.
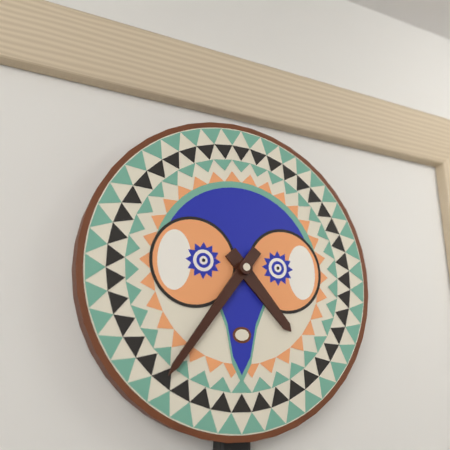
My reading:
**4:36**
